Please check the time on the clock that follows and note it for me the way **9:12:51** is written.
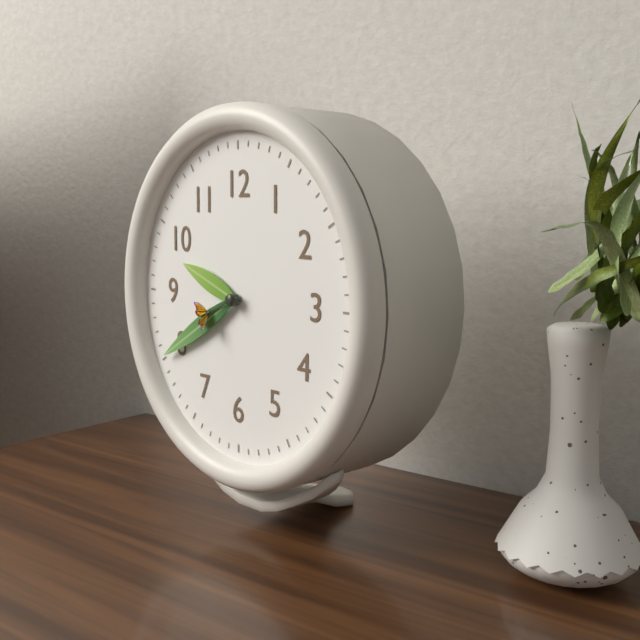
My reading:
**9:40:41**
